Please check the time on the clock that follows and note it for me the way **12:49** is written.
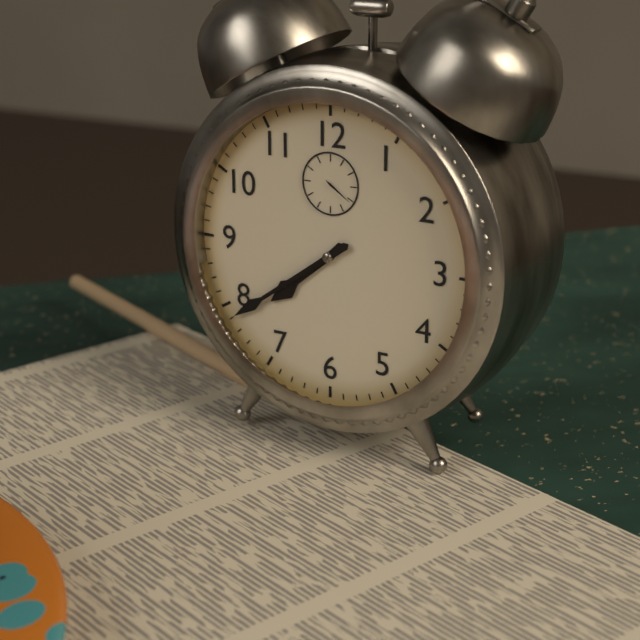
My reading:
**7:39**
